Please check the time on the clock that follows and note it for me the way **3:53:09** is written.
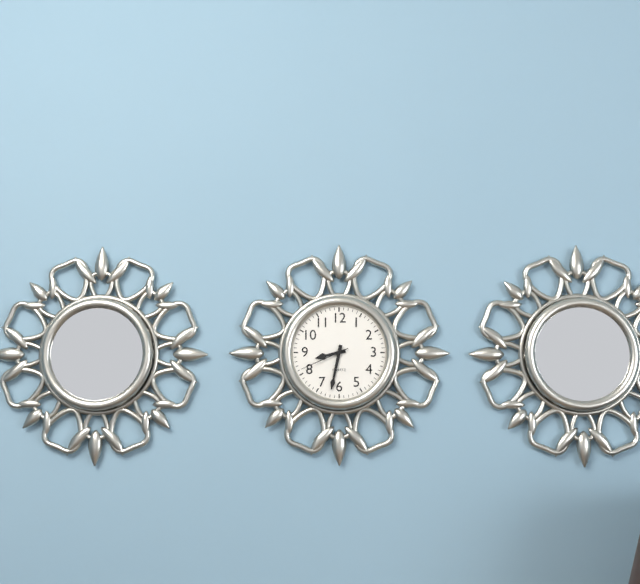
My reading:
**8:32:41**
